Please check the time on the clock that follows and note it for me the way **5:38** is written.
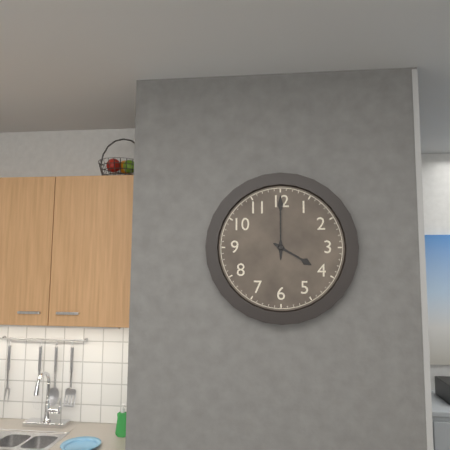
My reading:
**4:00**
